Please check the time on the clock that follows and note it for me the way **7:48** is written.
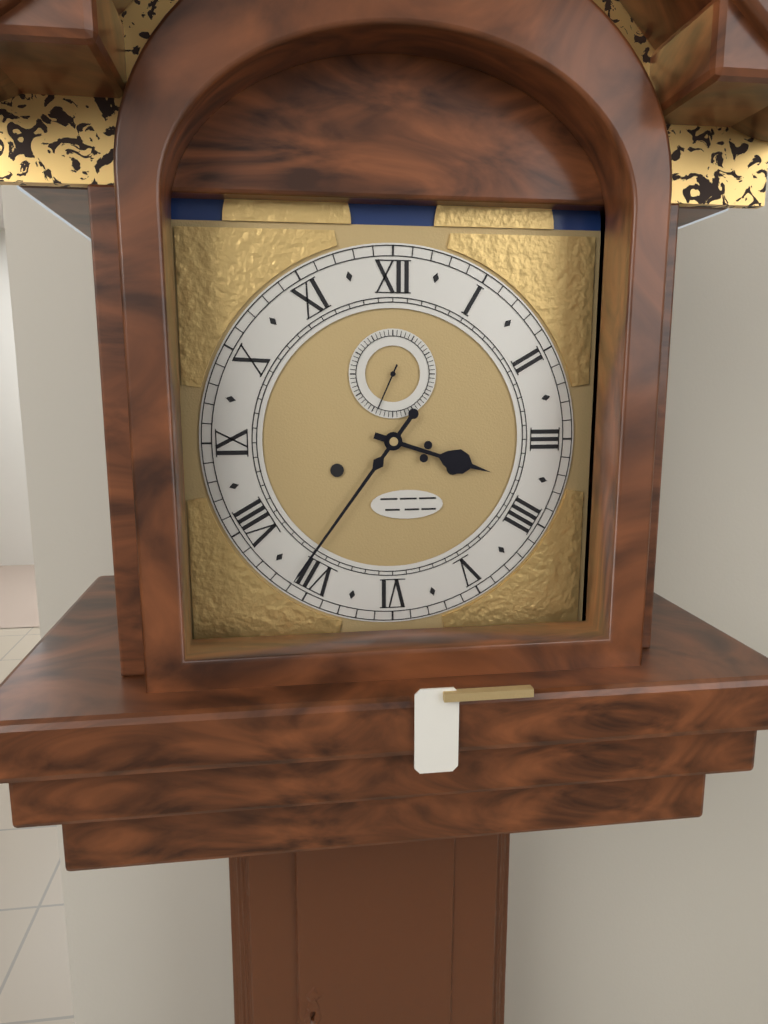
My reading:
**3:36**
